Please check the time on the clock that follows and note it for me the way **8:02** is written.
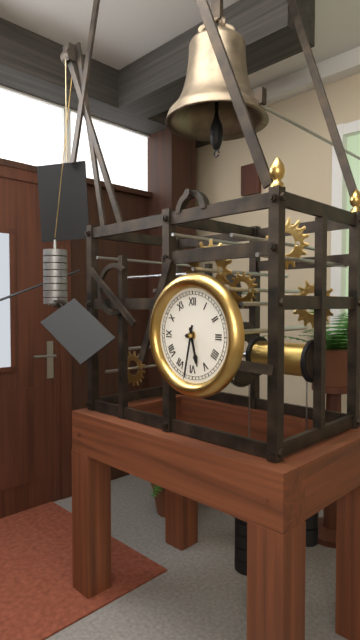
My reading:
**5:32**
